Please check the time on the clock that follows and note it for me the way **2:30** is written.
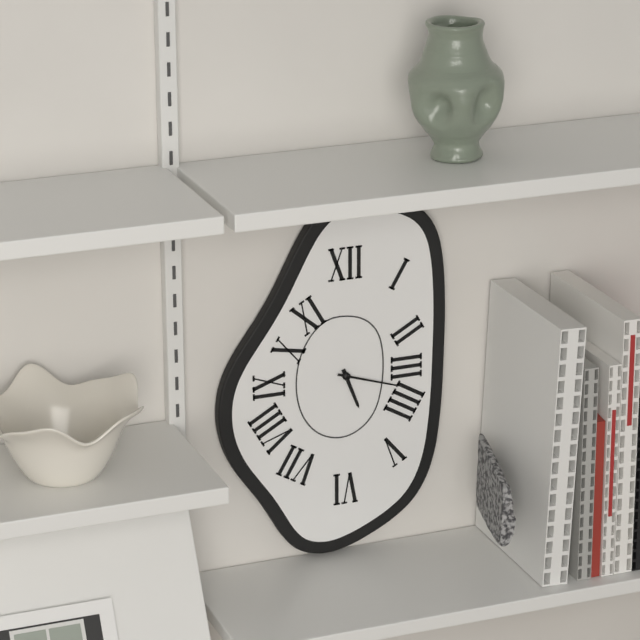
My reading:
**5:18**
